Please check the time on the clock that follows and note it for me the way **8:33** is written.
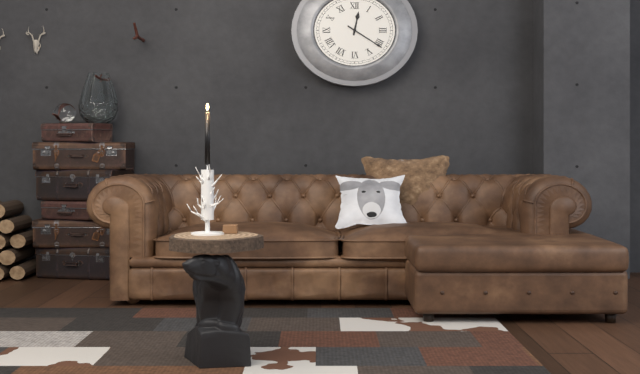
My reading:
**12:21**
